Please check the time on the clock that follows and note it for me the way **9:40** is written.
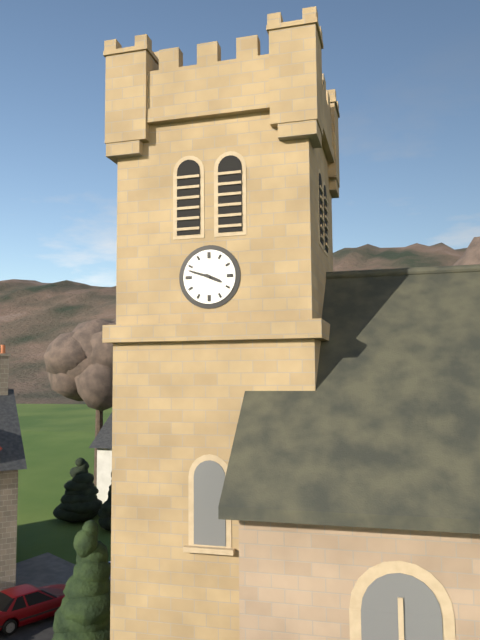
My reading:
**3:48**
